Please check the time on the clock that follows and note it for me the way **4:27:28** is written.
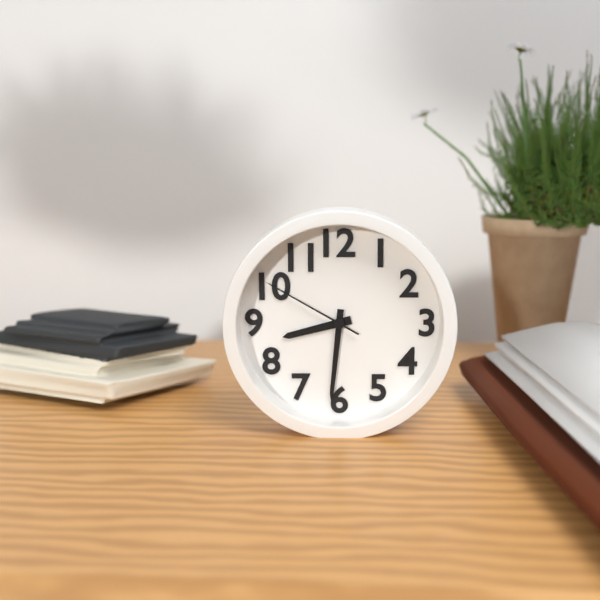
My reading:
**8:31:50**
